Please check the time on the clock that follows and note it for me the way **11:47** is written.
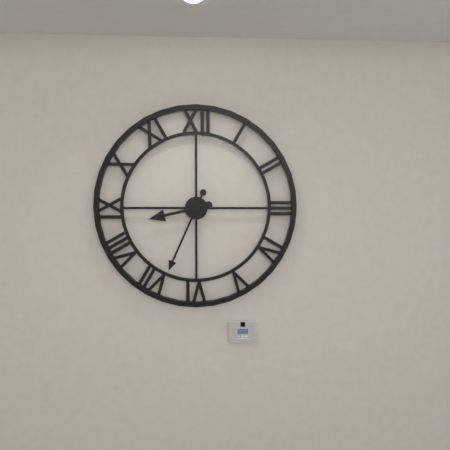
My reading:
**8:34**
